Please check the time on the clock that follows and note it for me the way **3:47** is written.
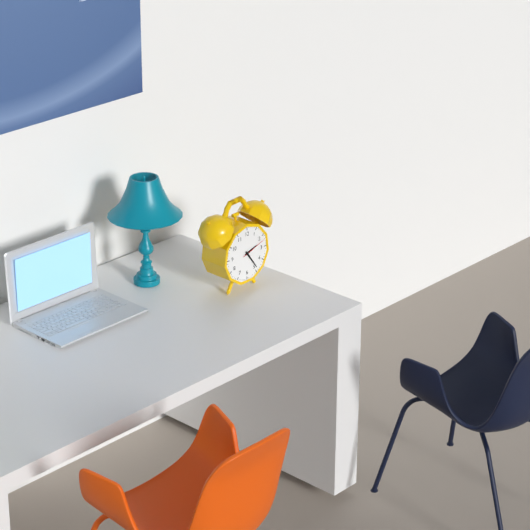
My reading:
**2:24**
